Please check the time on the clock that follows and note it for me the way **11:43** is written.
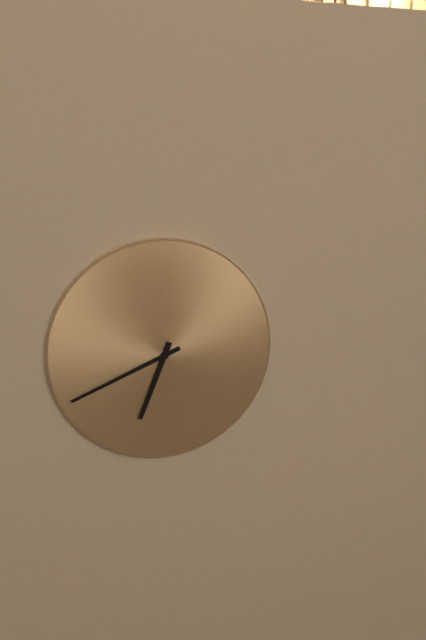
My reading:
**6:41**
